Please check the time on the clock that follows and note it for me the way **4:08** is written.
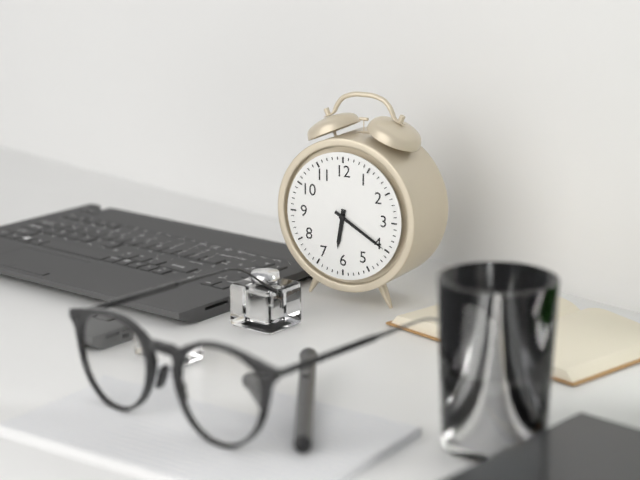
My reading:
**6:20**
